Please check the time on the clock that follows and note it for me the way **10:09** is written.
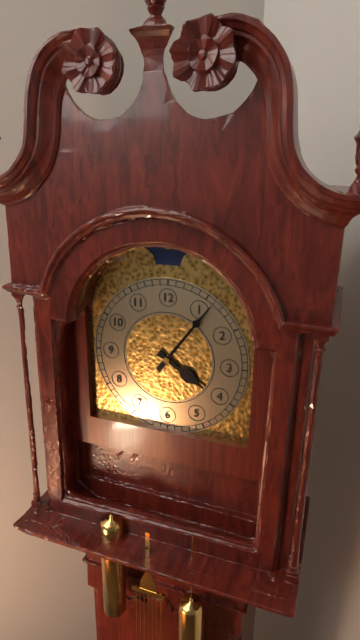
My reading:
**4:06**
